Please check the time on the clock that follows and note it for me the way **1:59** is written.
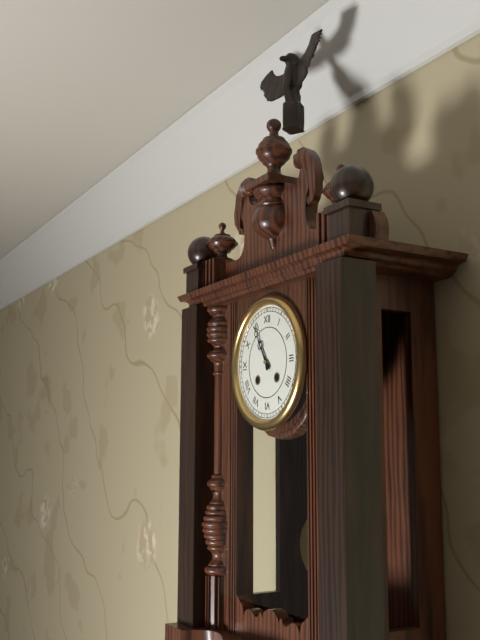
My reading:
**10:55**
